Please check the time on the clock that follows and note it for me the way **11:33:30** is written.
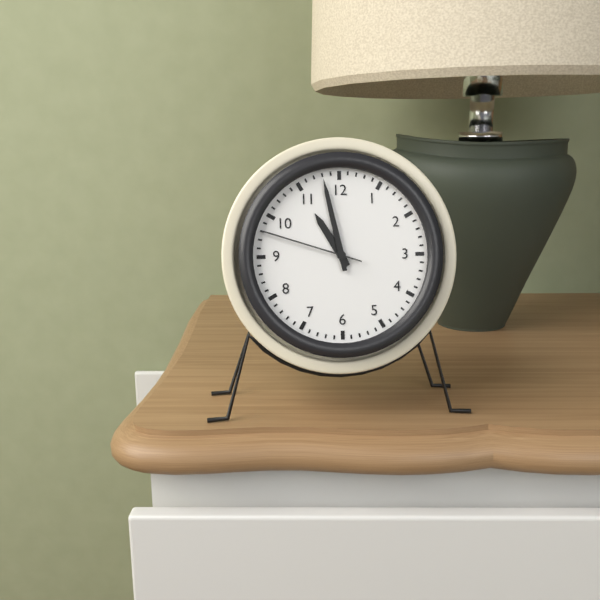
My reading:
**10:58:48**
